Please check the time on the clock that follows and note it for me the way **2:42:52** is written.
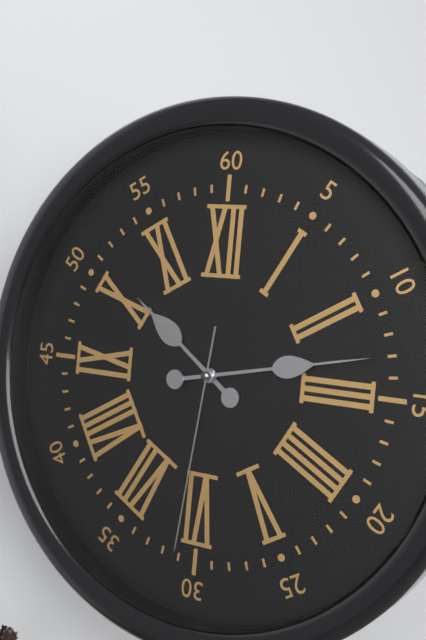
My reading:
**10:13:31**
